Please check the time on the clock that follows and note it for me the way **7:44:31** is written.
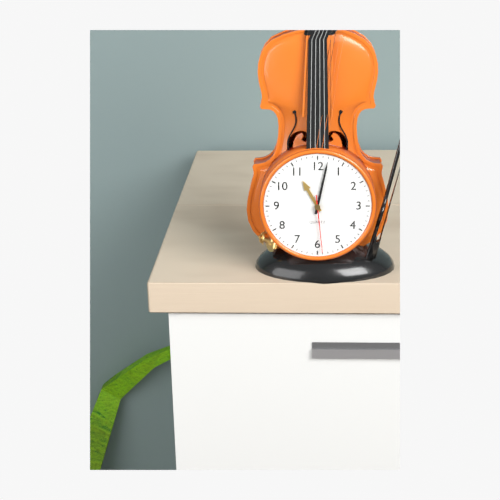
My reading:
**11:02:29**
